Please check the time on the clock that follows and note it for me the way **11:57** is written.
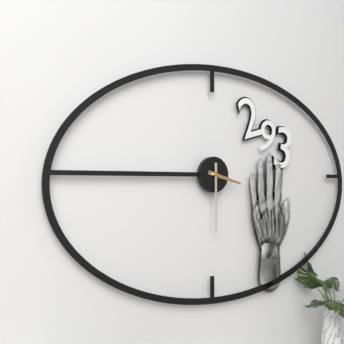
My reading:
**3:30**
